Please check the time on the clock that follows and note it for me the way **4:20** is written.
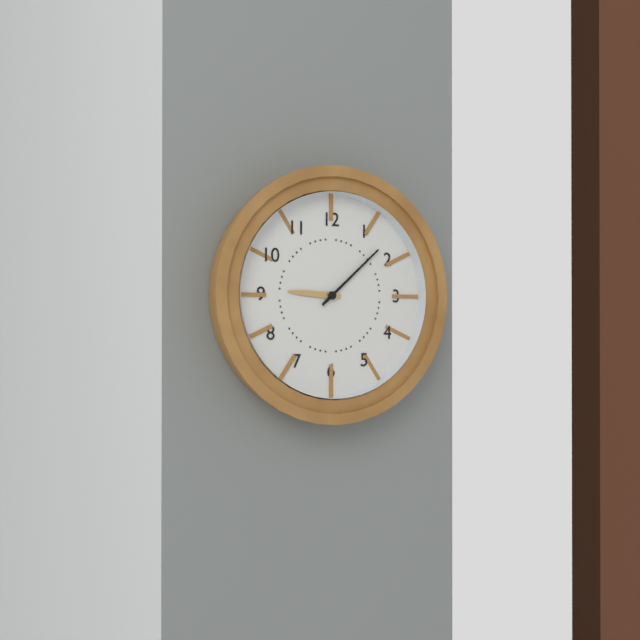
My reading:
**9:08**
